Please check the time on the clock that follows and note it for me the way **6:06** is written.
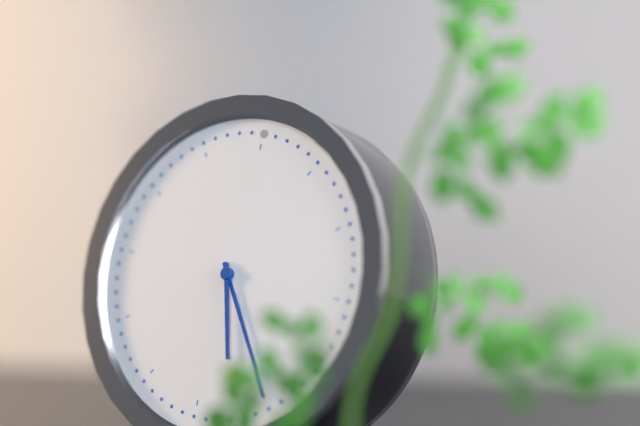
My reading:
**5:24**
